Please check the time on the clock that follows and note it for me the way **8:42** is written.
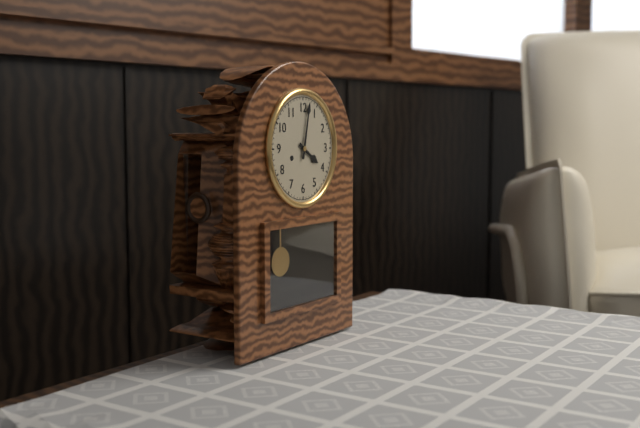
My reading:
**4:02**
